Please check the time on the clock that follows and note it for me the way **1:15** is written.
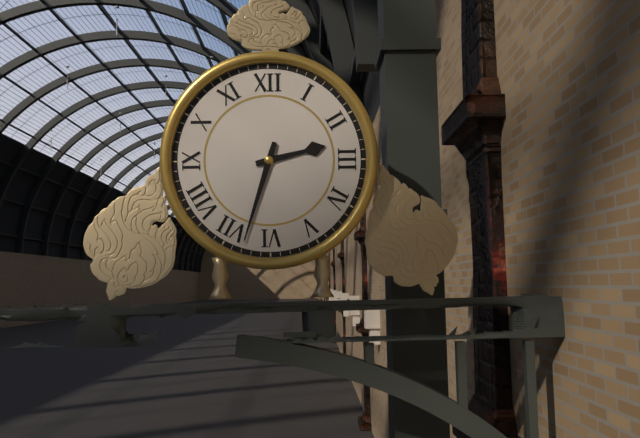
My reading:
**2:33**
